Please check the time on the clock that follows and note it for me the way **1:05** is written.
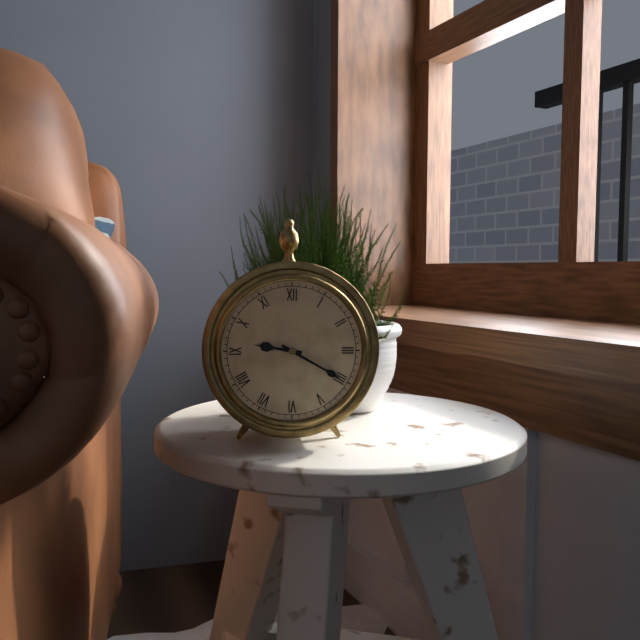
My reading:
**9:20**
